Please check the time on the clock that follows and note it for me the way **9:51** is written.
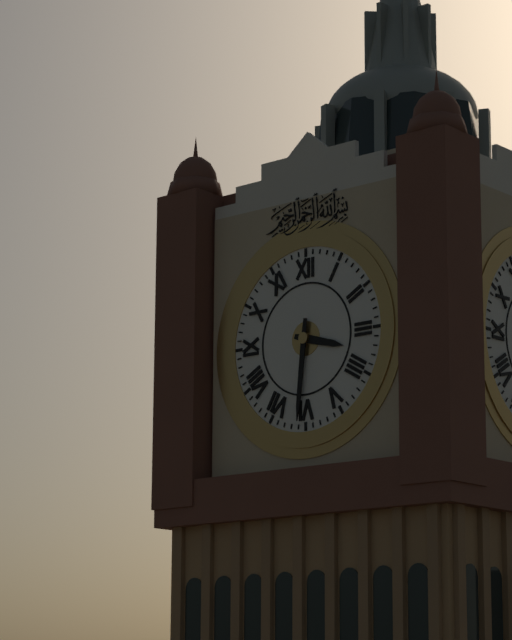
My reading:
**3:31**
